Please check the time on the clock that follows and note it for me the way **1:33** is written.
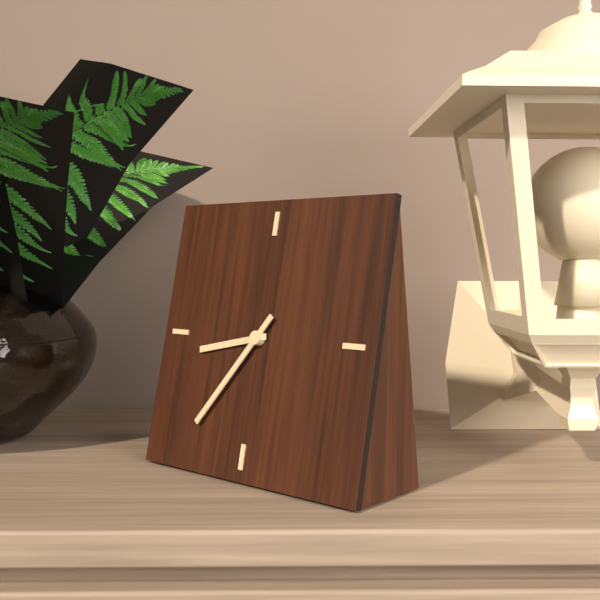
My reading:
**8:36**
